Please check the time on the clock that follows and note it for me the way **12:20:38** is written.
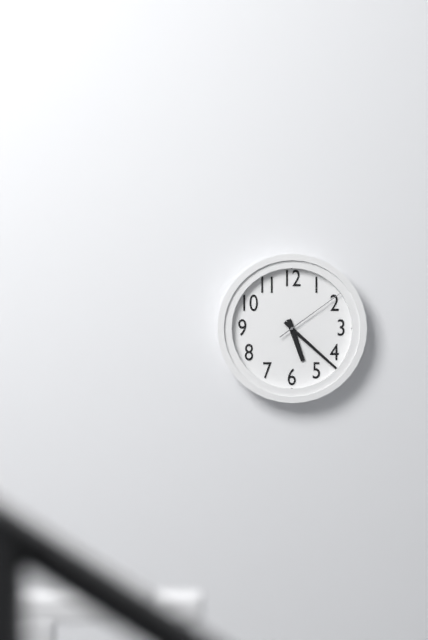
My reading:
**5:22:09**
